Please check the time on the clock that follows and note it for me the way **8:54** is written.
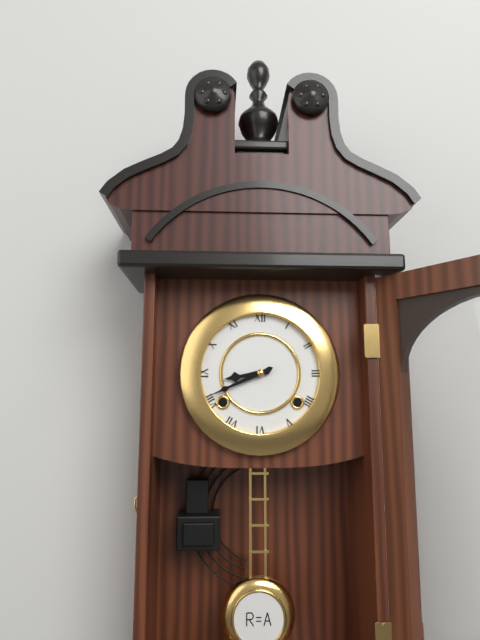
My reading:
**8:41**
